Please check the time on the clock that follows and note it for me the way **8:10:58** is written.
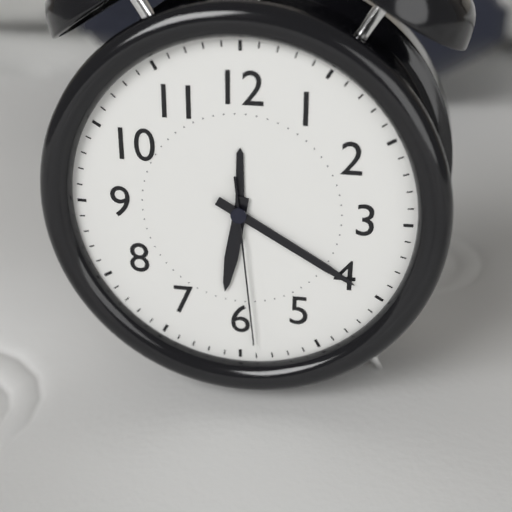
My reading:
**6:20:29**
